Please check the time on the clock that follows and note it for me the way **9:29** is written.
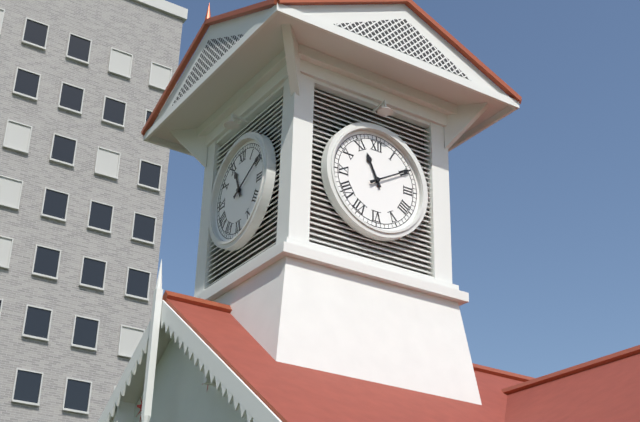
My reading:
**11:10**
